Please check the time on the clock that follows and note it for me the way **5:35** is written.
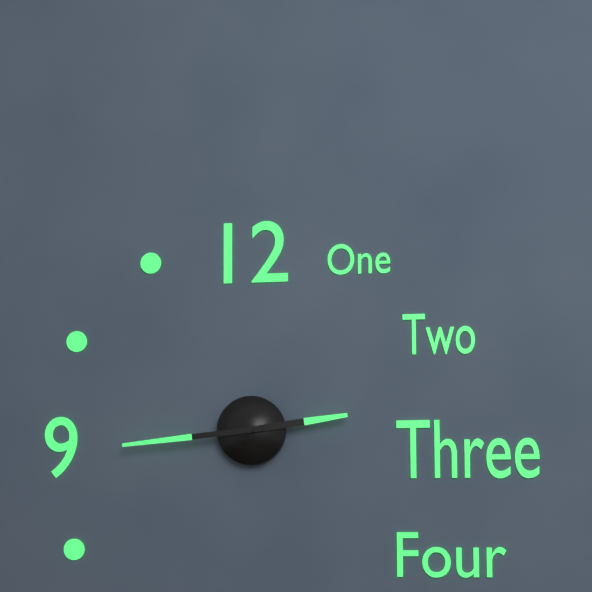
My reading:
**2:44**
